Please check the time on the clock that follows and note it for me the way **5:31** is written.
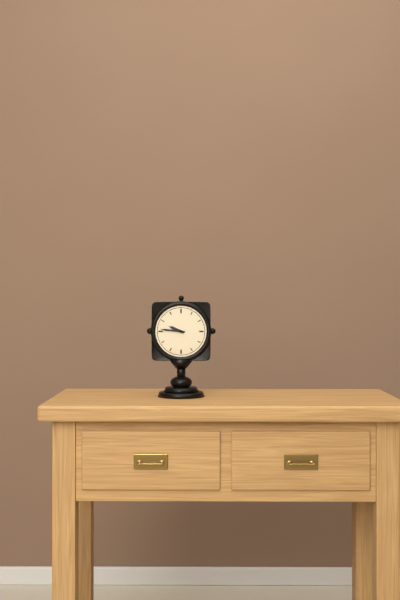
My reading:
**9:46**
